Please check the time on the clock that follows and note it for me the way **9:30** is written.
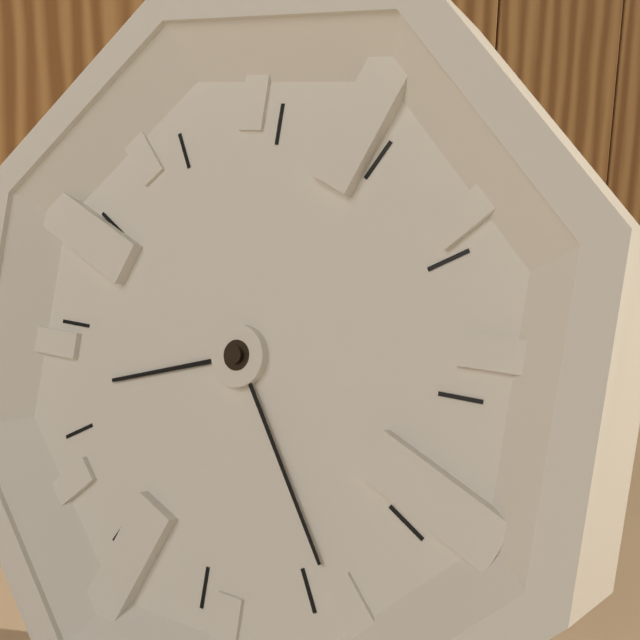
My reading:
**8:24**
